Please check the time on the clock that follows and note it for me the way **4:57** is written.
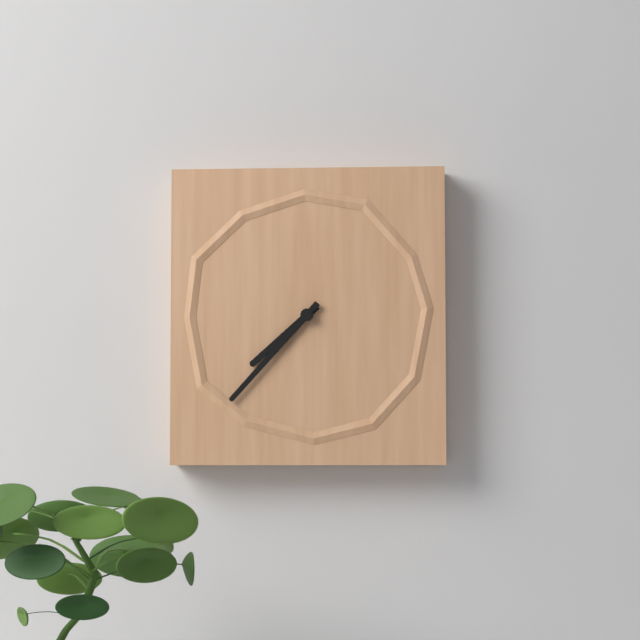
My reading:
**7:37**
